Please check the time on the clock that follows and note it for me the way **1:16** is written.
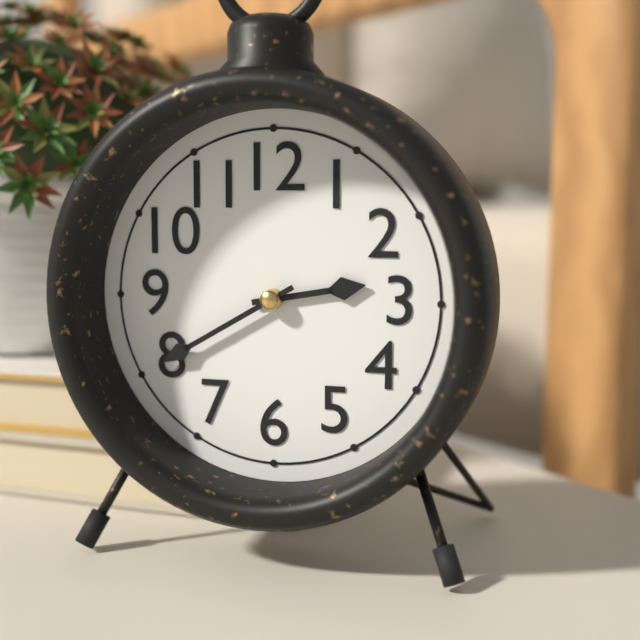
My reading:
**2:40**
